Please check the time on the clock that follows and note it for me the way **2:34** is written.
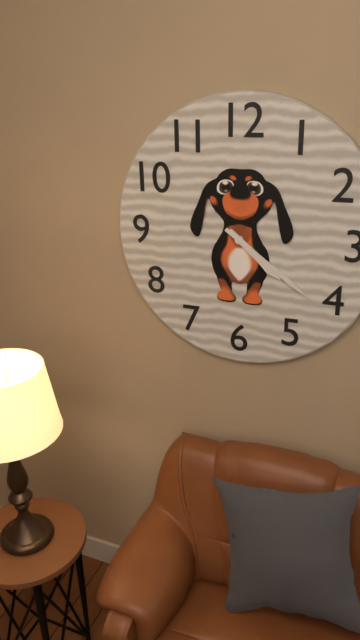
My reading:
**4:21**
